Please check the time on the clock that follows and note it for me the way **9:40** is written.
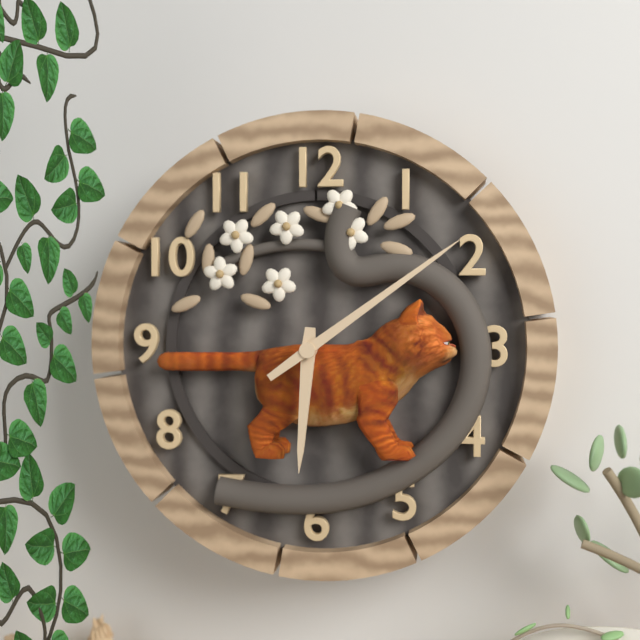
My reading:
**6:09**
